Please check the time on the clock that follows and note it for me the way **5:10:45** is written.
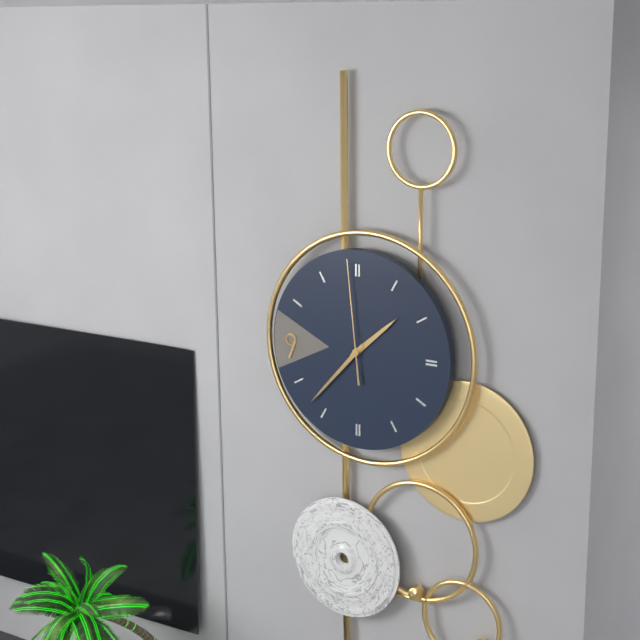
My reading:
**1:37:59**
